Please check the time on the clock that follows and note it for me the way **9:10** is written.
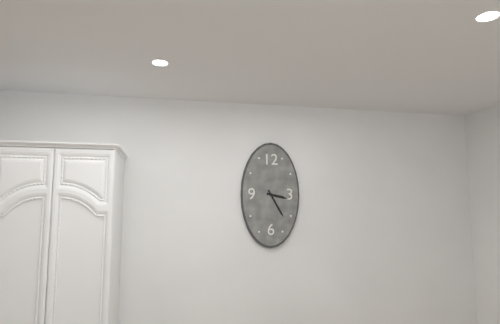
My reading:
**3:25**
